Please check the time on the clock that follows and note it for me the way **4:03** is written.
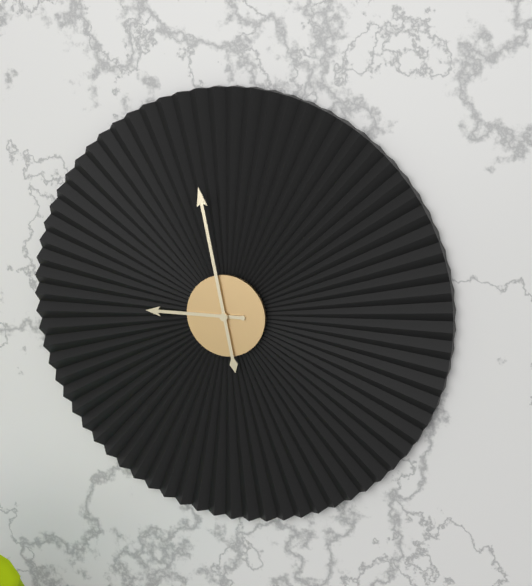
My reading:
**8:58**
